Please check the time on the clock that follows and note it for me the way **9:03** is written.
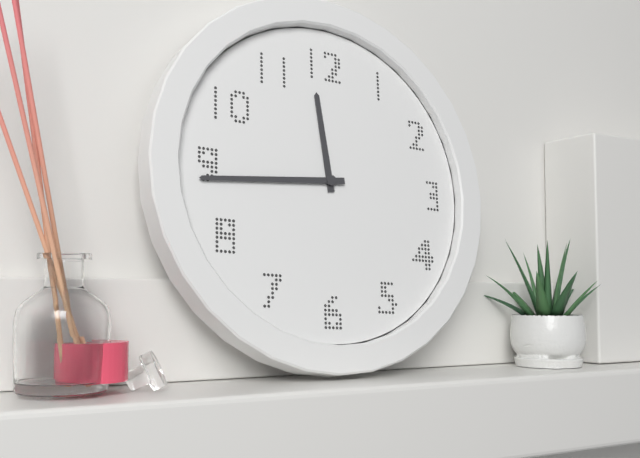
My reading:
**11:44**
